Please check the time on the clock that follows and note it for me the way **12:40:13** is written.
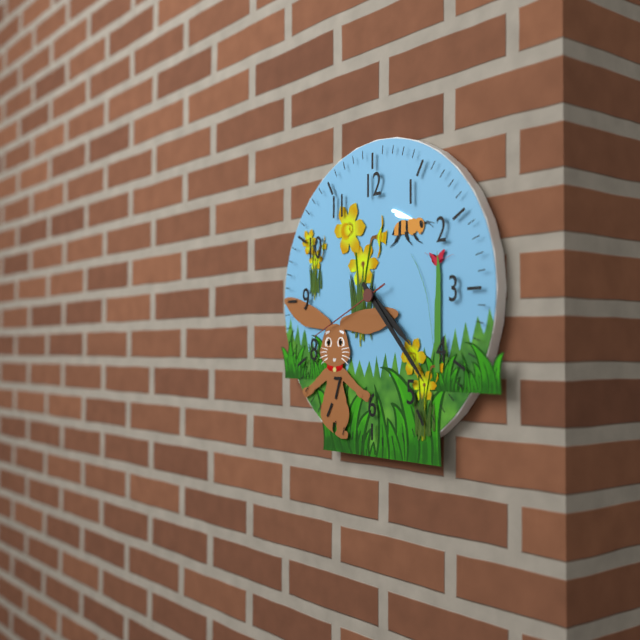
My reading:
**4:23:41**
